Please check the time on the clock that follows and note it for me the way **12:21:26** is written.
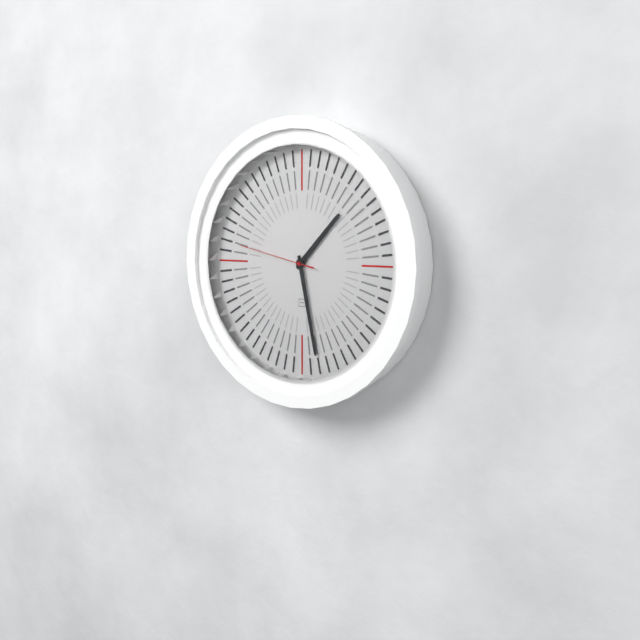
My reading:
**1:28:47**
